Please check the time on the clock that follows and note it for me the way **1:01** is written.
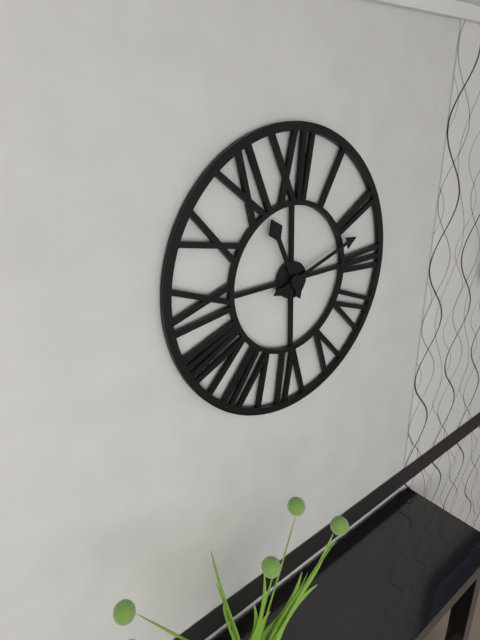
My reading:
**11:12**
